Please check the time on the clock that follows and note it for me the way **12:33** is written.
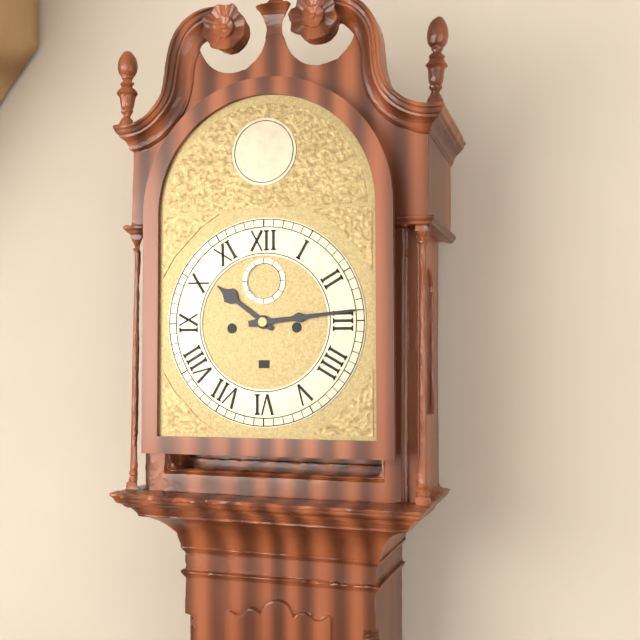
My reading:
**10:14**
